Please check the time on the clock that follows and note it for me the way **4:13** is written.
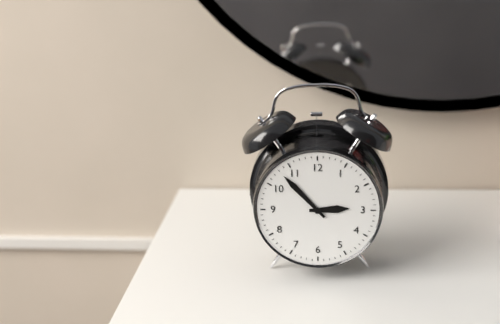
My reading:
**2:53**
